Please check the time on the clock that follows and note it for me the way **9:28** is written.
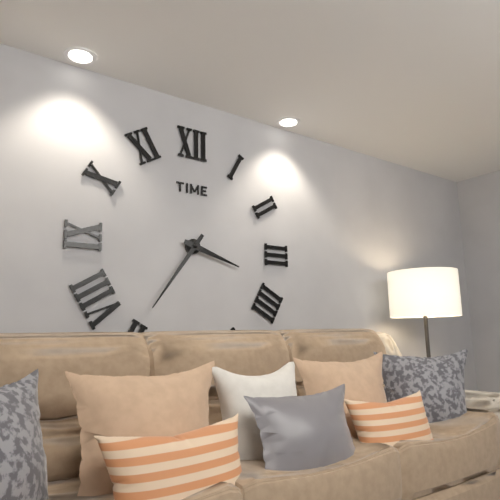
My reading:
**3:36**
